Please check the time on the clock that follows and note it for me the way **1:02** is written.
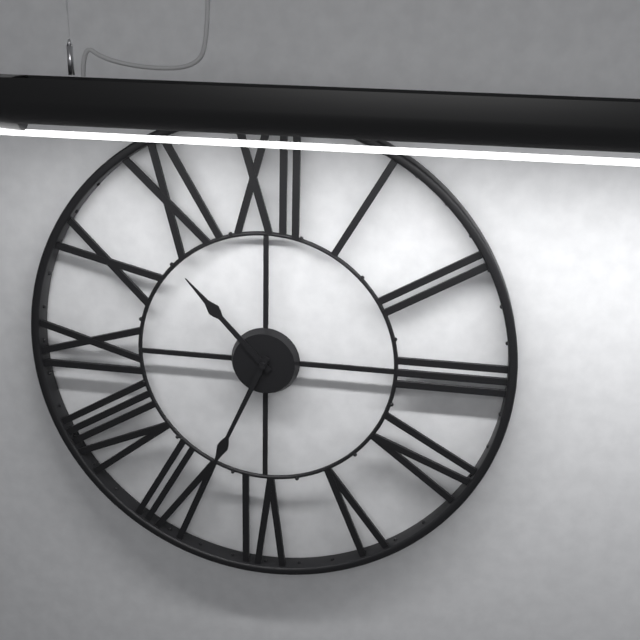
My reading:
**10:34**
